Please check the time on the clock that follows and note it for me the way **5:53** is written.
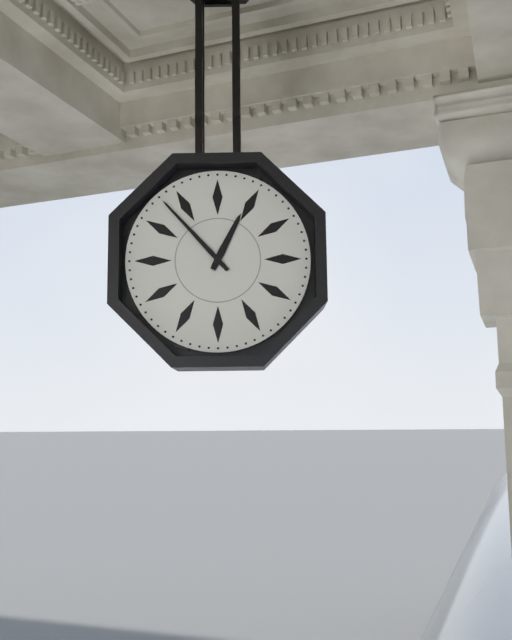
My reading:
**12:53**
